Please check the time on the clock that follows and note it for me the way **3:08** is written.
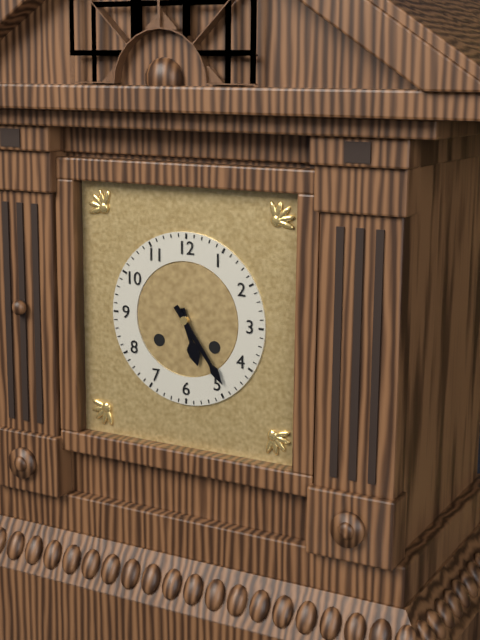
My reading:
**5:24**
